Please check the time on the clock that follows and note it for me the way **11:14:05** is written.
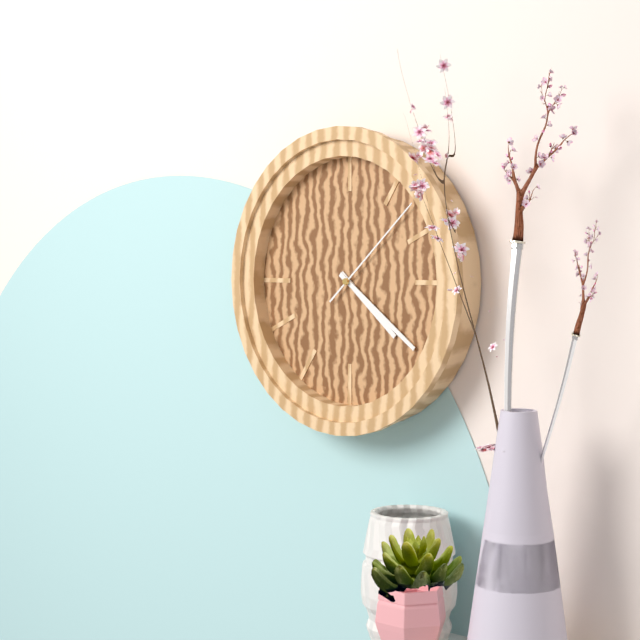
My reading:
**4:21:08**
